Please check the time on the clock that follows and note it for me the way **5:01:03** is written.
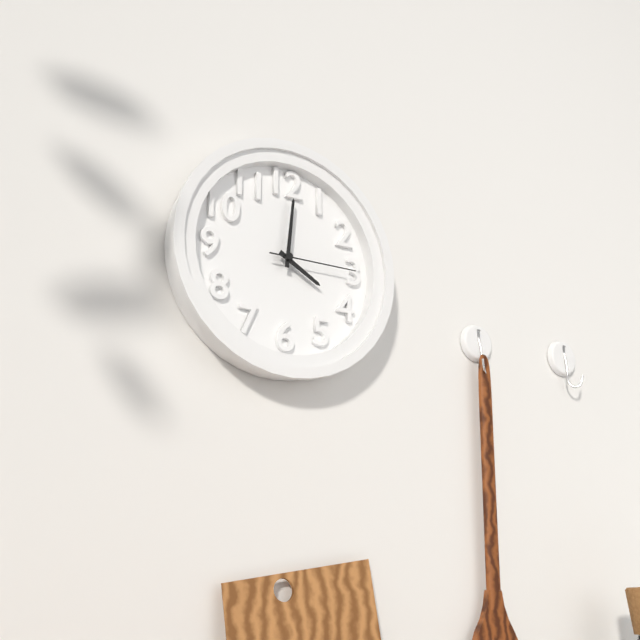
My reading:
**4:01:15**
